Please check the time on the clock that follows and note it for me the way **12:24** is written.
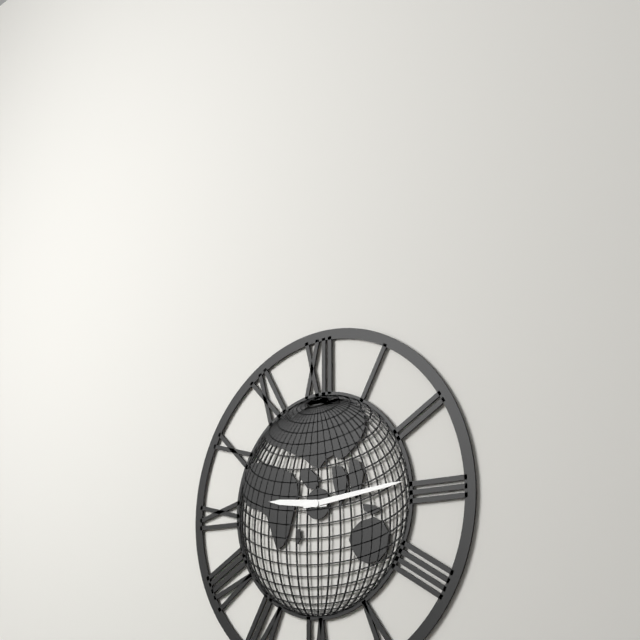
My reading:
**9:14**
